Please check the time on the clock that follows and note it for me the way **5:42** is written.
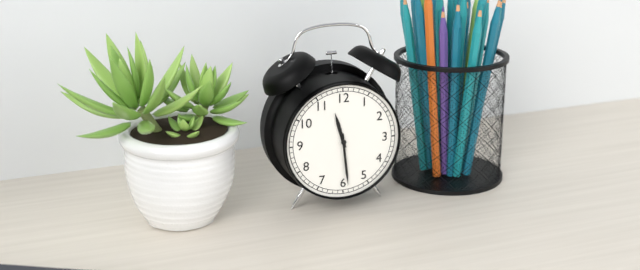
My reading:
**11:29**
